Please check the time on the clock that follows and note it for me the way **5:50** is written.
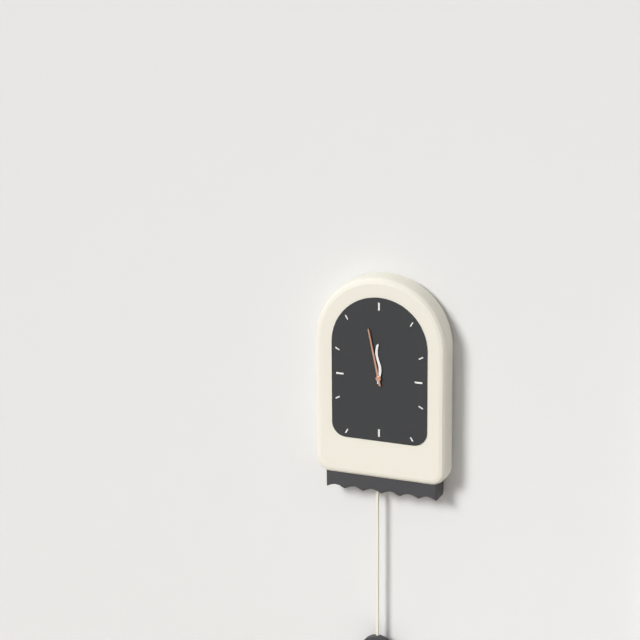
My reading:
**11:58**
